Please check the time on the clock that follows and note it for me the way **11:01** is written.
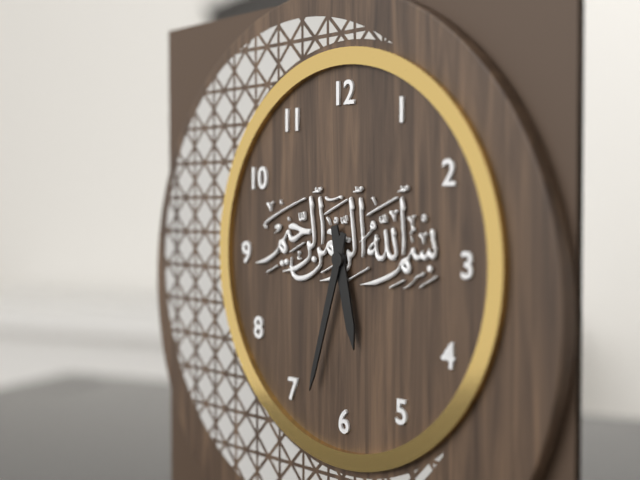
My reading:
**5:33**
